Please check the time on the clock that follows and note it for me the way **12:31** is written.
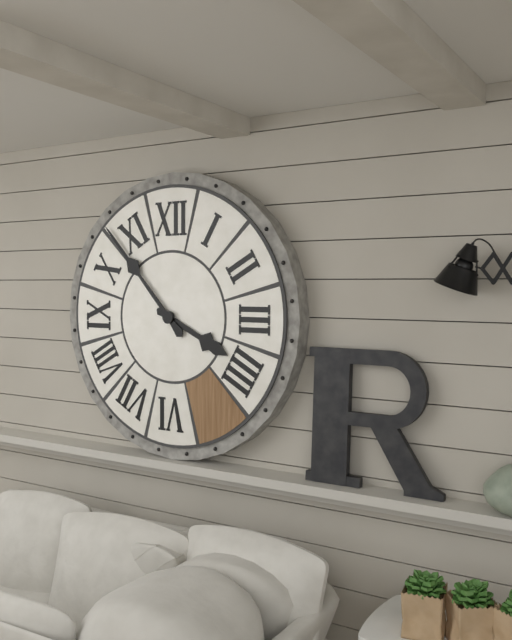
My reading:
**3:53**
